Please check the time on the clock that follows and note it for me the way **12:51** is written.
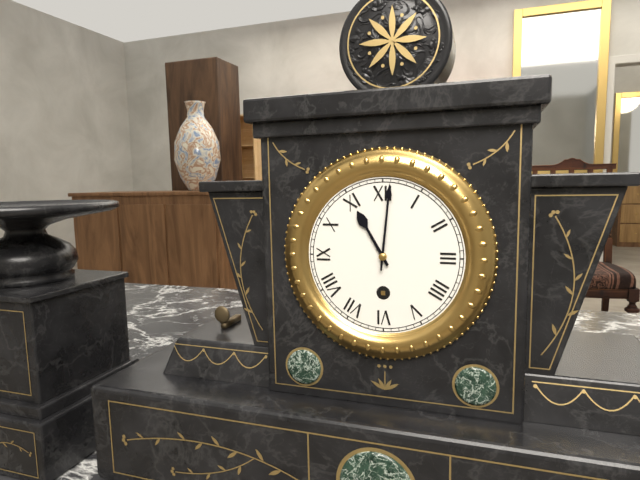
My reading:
**11:01**
